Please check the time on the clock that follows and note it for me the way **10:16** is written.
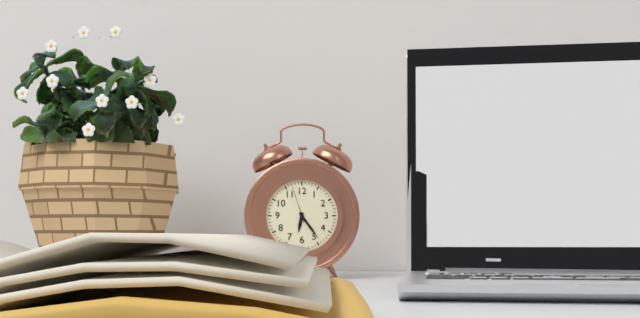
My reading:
**6:24**
